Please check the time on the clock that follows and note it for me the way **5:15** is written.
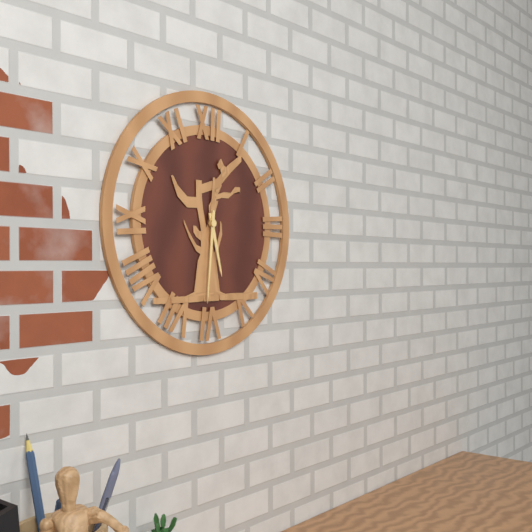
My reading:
**5:31**
